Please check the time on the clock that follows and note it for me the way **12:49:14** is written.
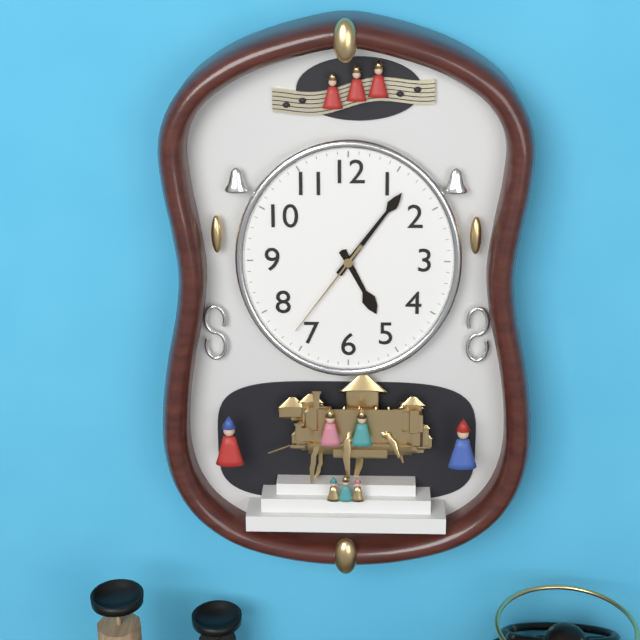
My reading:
**5:06:36**
